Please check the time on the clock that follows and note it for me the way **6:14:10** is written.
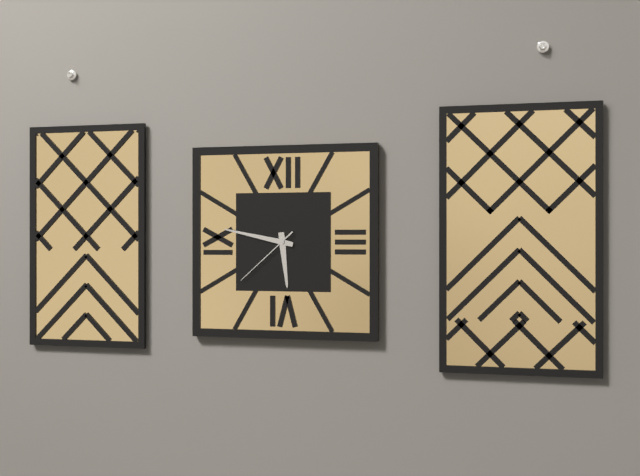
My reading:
**5:47:38**
